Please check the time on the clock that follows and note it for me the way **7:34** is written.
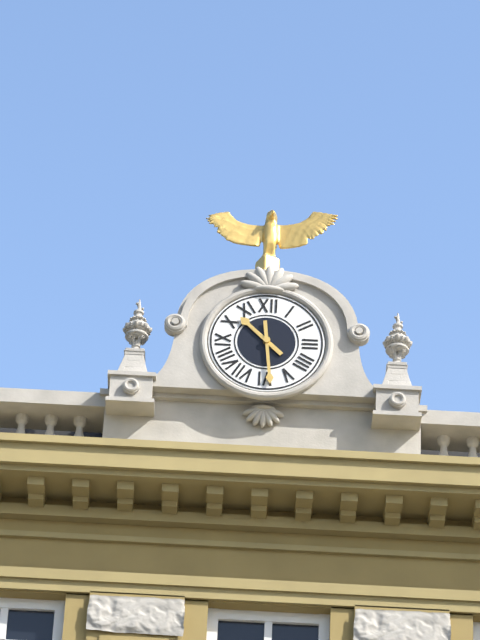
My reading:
**10:29**
